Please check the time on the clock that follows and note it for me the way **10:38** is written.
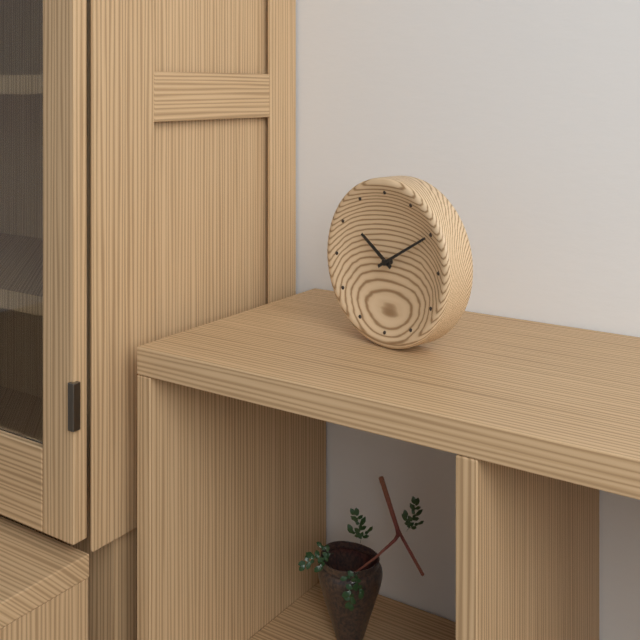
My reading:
**10:10**
